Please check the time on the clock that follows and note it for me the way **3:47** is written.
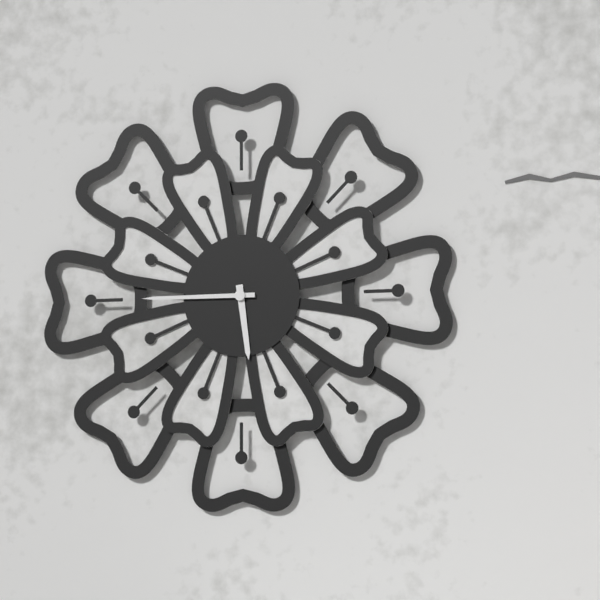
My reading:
**5:45**
